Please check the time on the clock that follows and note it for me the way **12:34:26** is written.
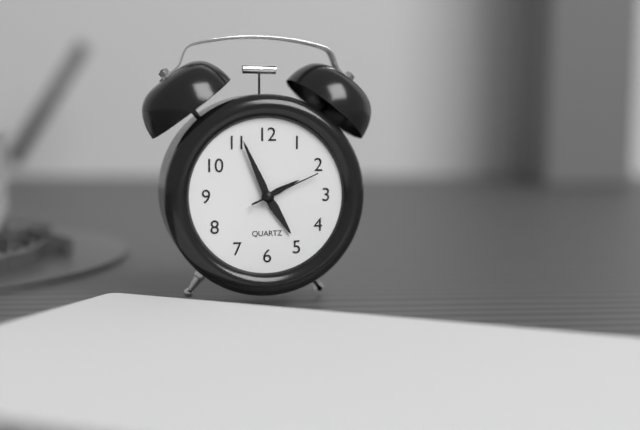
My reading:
**4:56:11**
